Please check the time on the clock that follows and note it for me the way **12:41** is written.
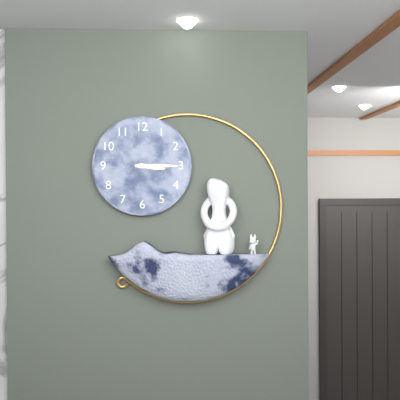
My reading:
**3:15**
